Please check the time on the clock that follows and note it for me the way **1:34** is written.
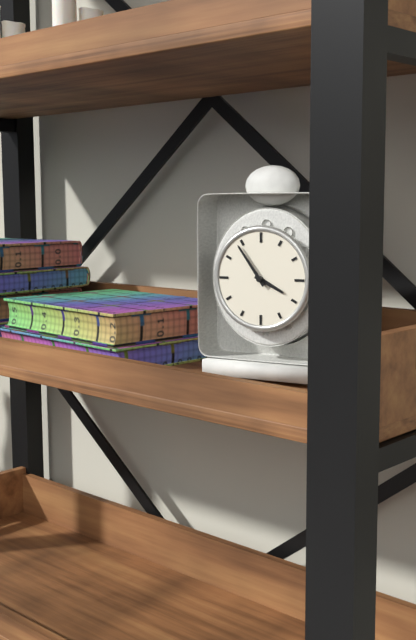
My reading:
**3:54**
